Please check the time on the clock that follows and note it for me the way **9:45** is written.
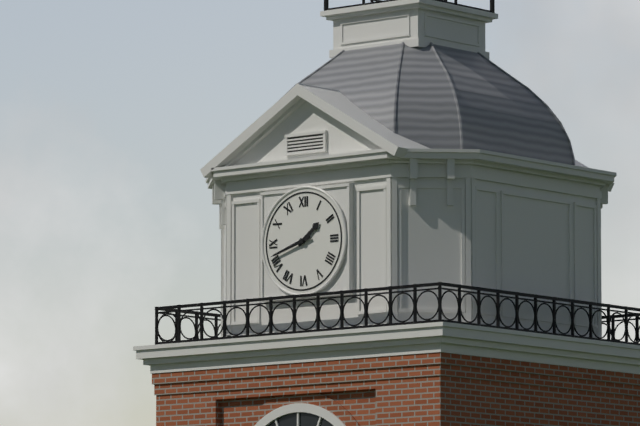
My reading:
**1:42**
